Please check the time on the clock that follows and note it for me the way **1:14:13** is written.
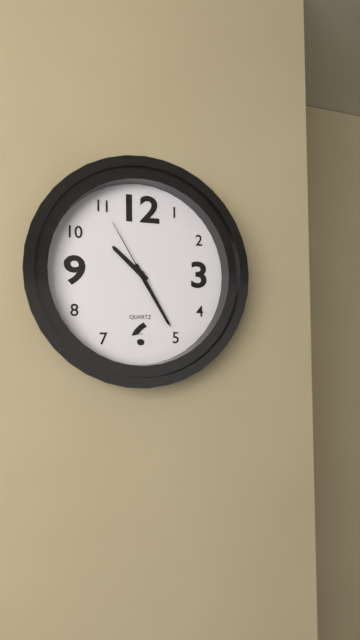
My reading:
**10:25:55**
